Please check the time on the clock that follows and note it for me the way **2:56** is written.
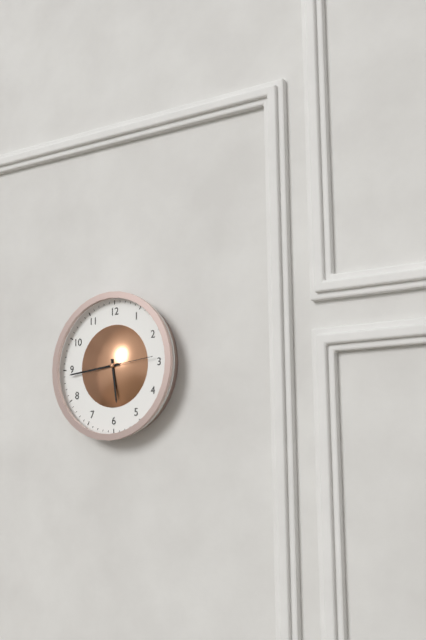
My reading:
**5:44**
